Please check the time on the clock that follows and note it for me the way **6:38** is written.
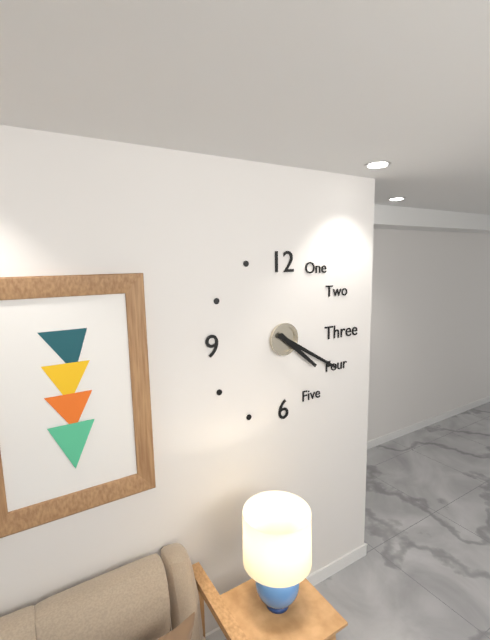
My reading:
**4:20**
